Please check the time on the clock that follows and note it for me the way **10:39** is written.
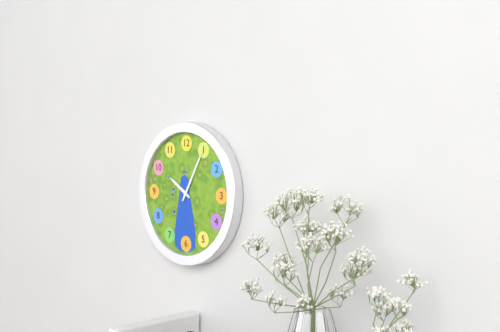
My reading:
**10:05**
